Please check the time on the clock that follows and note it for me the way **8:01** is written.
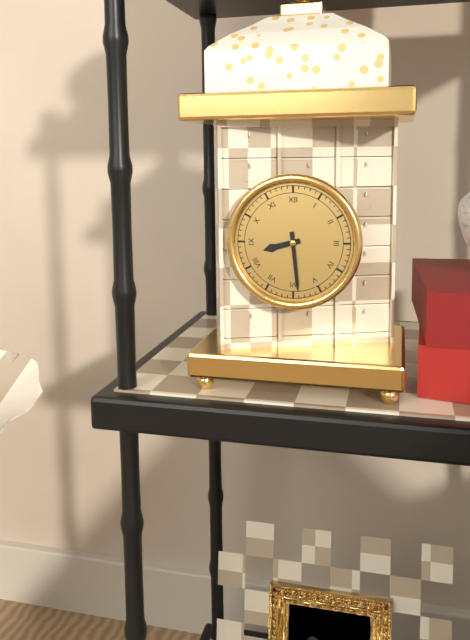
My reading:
**8:29**
